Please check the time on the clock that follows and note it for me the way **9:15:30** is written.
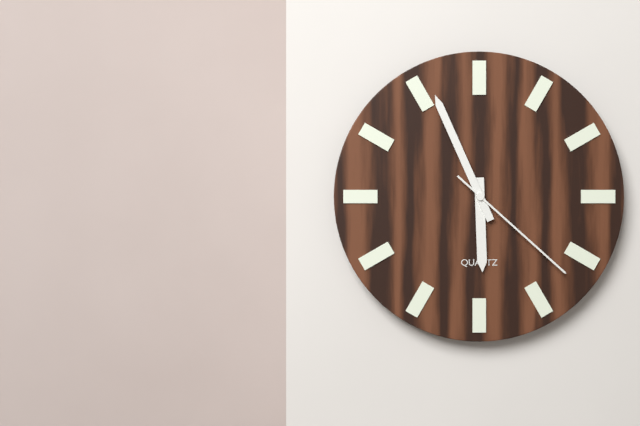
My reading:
**5:56:22**
